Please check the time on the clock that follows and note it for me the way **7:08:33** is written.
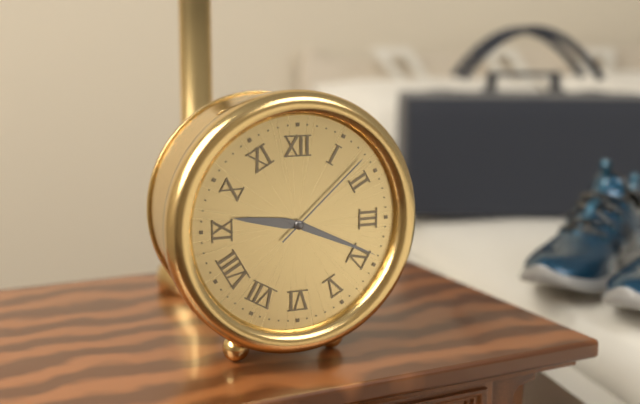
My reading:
**9:19:08**
